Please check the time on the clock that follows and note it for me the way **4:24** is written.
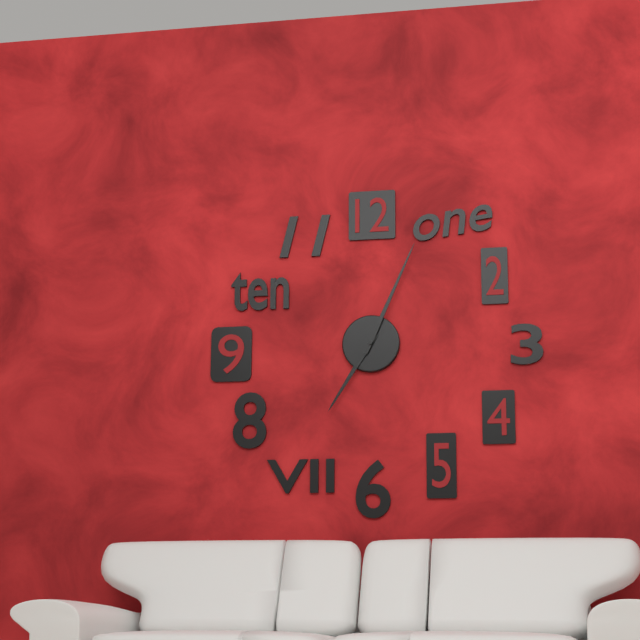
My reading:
**7:04**
